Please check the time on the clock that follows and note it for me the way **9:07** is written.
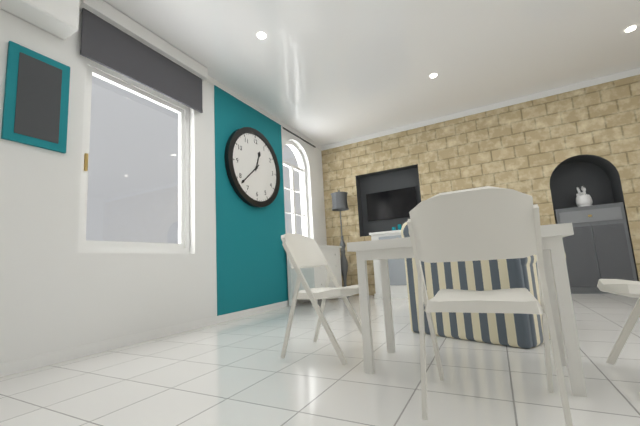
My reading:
**12:38**
